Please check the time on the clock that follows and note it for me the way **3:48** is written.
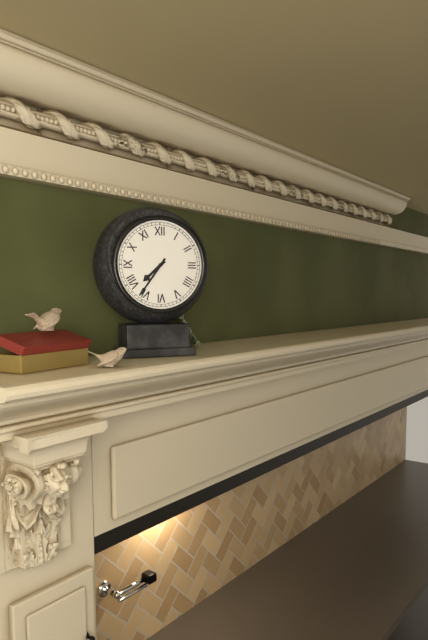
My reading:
**7:36**
